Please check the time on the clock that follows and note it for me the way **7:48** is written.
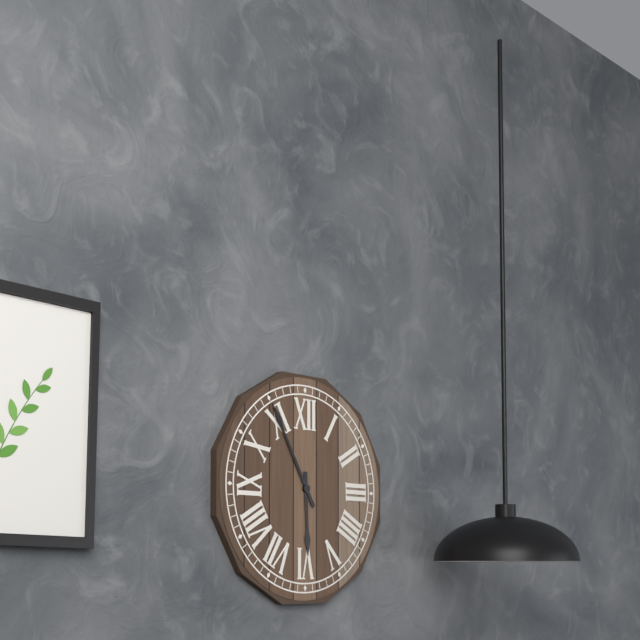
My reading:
**5:55**
